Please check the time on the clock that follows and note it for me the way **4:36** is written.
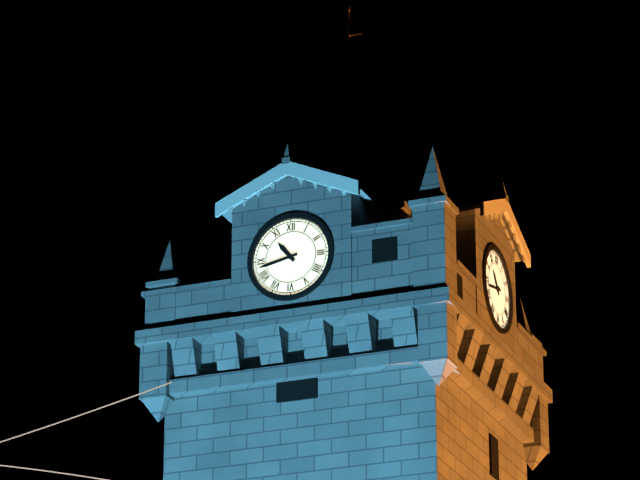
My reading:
**10:43**
